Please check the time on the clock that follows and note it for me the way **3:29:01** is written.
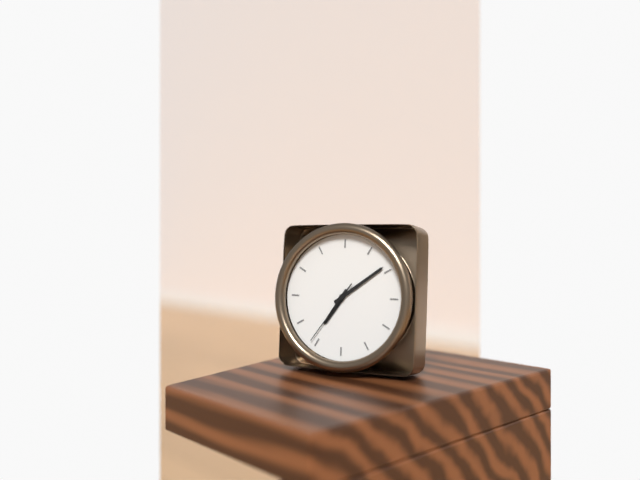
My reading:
**7:09:36**
